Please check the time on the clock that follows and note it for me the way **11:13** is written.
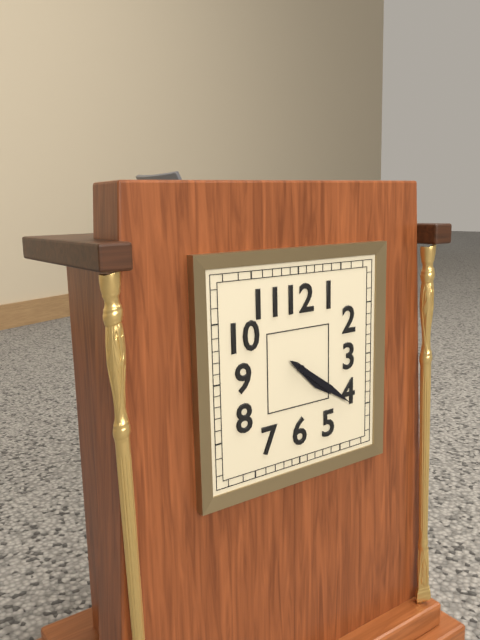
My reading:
**4:21**
